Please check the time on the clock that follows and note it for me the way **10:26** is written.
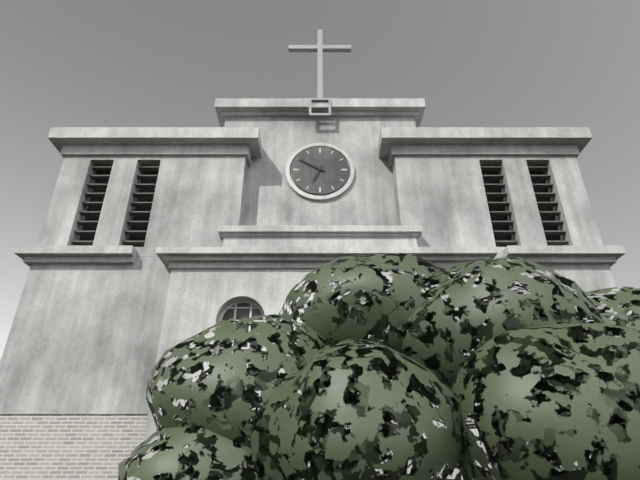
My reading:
**6:50**
